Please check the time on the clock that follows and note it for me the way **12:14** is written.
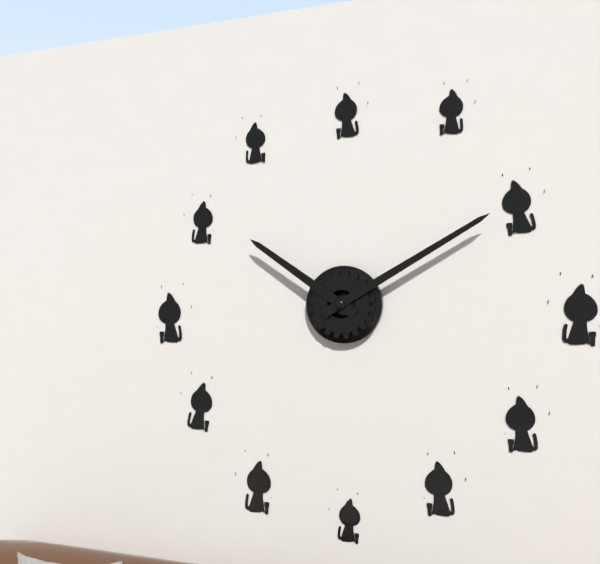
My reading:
**10:10**
